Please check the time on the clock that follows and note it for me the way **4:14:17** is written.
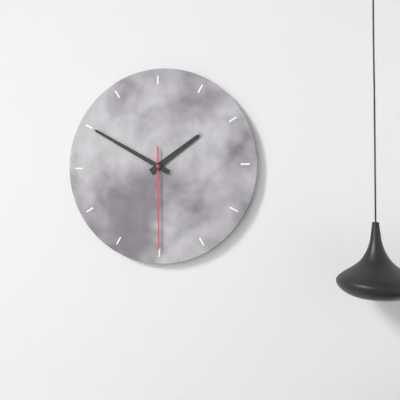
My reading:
**1:50:30**
